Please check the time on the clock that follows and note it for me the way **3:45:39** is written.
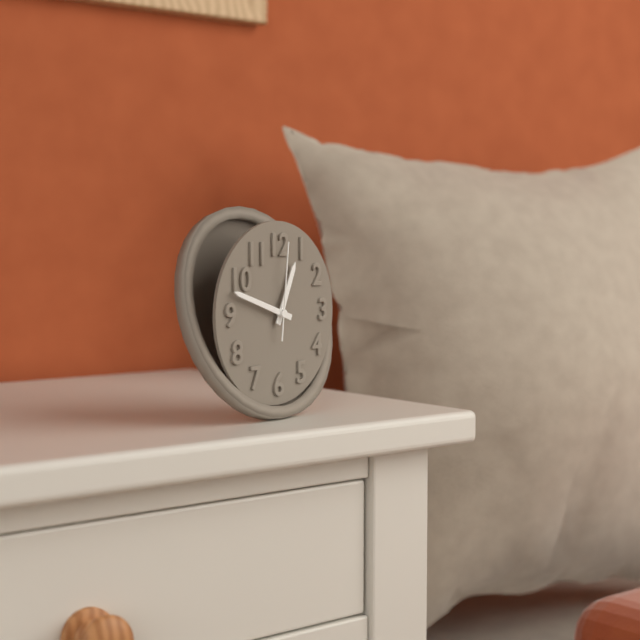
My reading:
**12:48:01**
